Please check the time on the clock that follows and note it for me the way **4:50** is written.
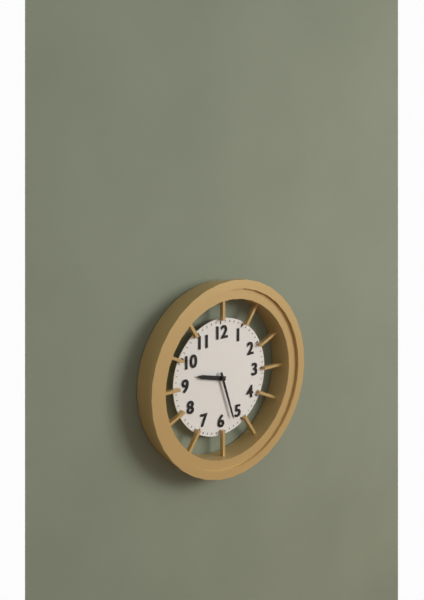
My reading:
**9:27**
